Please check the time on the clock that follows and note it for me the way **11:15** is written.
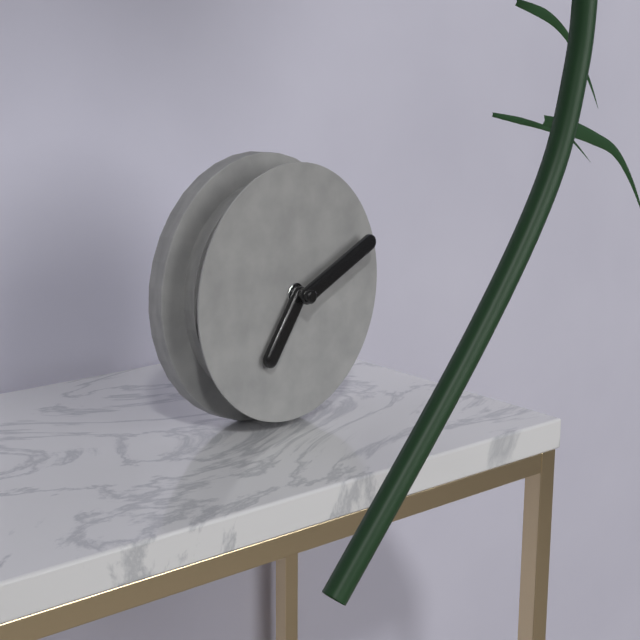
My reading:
**7:11**
